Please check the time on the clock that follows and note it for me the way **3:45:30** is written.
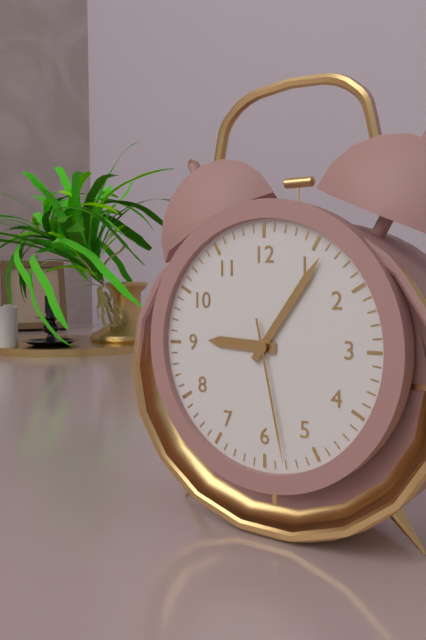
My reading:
**9:06:28**
